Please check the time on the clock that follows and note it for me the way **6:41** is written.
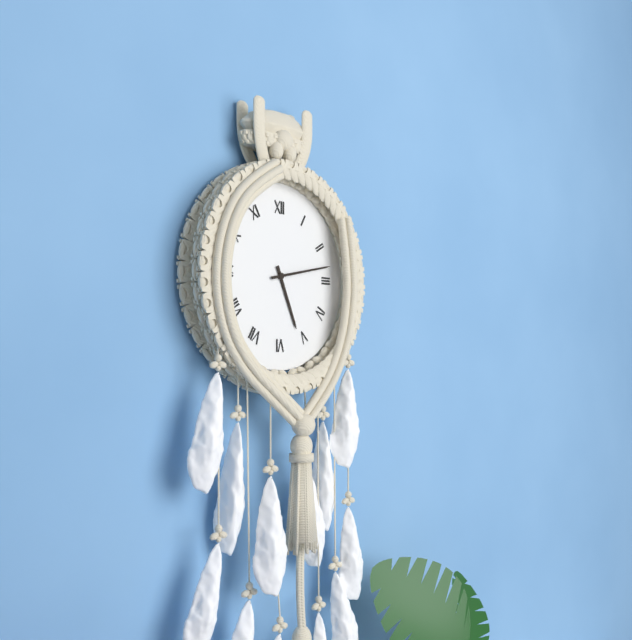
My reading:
**5:13**
